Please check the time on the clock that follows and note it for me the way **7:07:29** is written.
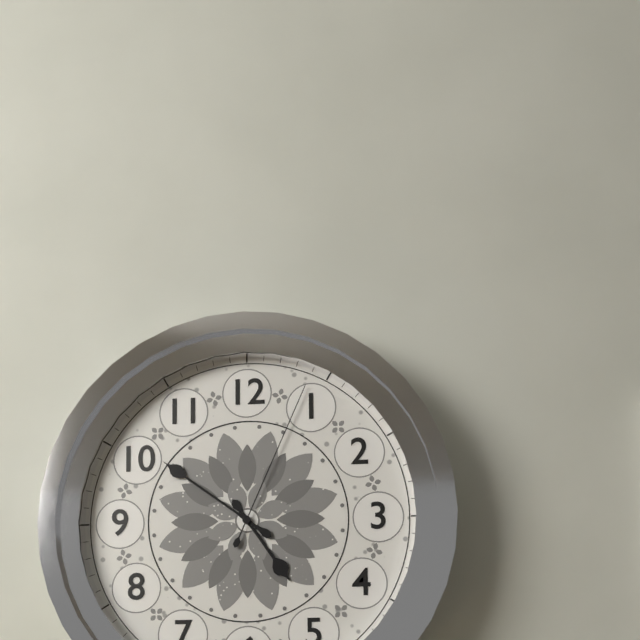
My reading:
**4:51:04**
